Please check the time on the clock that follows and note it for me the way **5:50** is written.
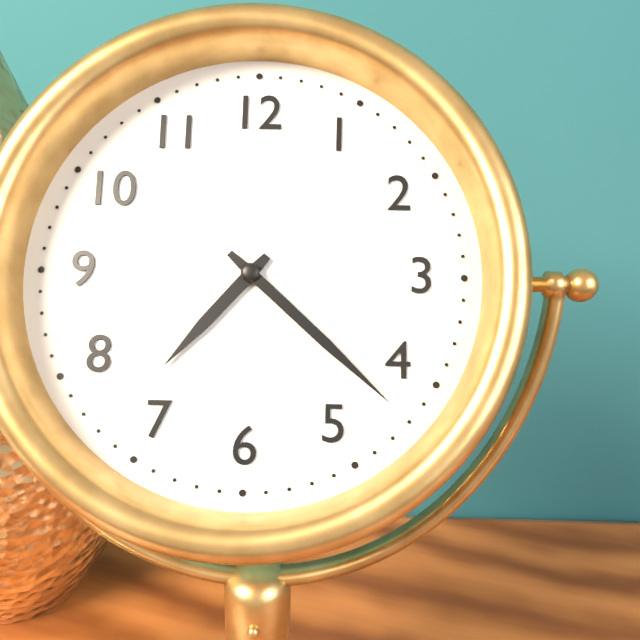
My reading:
**7:22**
